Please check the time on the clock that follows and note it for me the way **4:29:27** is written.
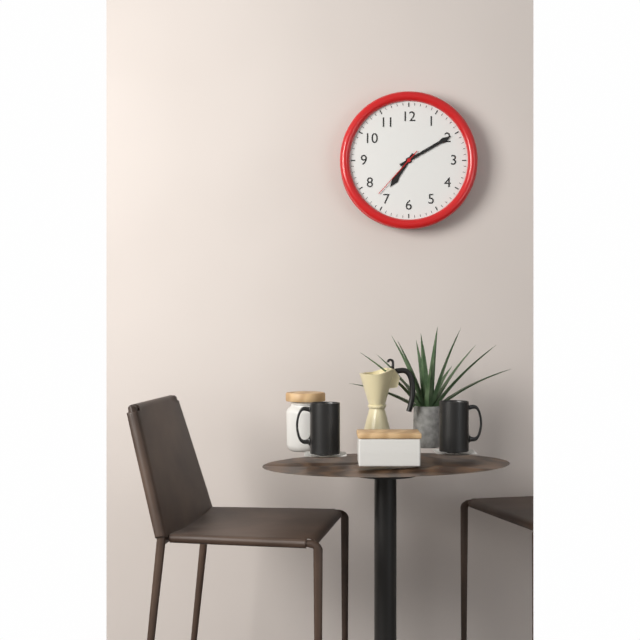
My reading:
**7:10:37**
